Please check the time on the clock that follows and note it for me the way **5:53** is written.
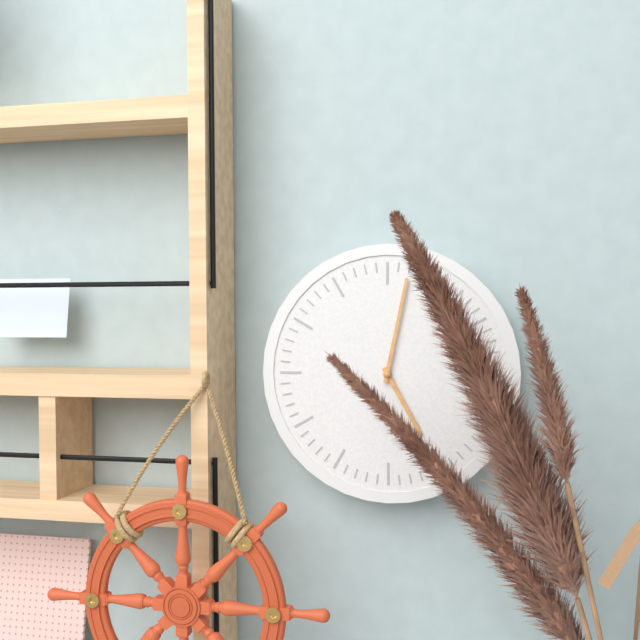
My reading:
**5:02**
